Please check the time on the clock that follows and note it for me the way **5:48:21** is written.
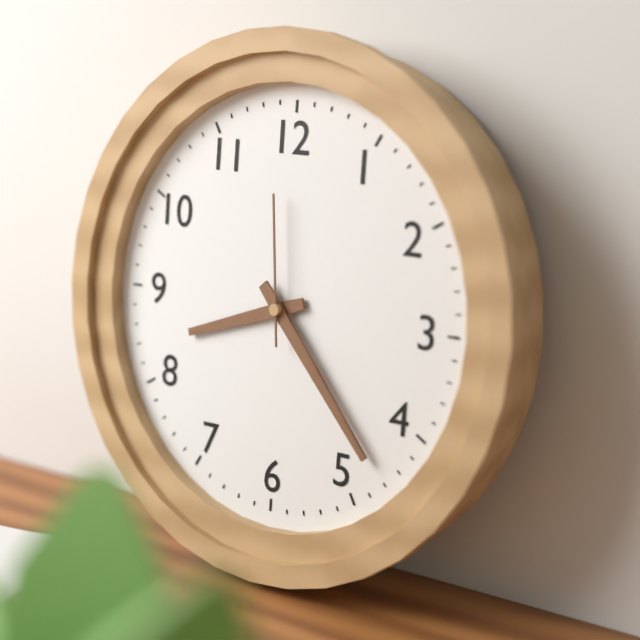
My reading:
**8:23:59**
